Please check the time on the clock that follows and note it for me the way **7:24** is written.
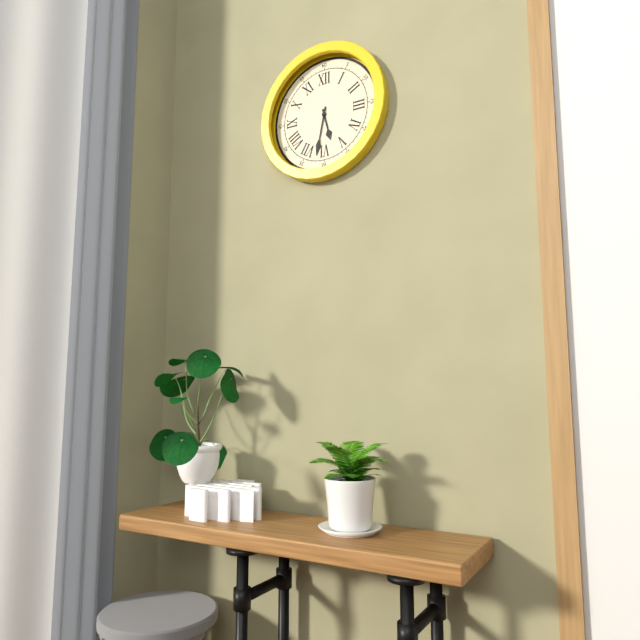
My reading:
**5:32**
